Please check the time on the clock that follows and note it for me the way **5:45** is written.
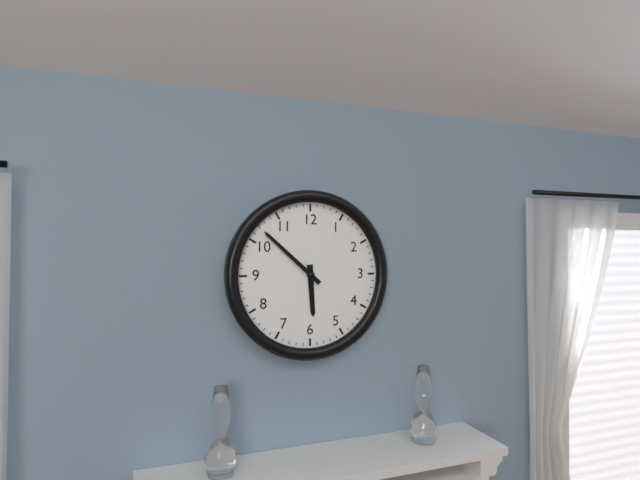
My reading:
**5:52**
